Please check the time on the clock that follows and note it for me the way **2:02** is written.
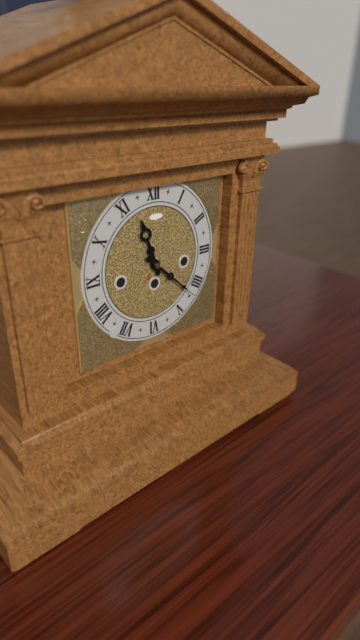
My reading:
**11:22**
